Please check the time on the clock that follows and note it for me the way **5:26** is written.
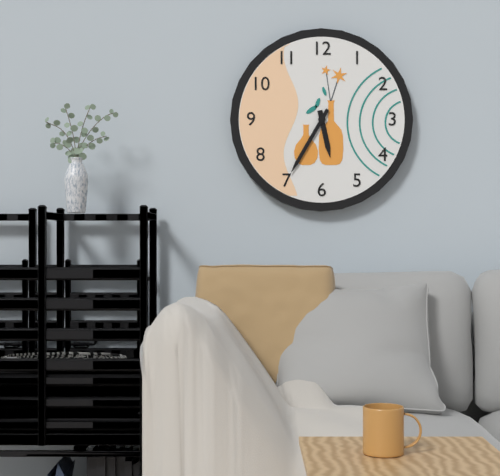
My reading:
**5:35**
